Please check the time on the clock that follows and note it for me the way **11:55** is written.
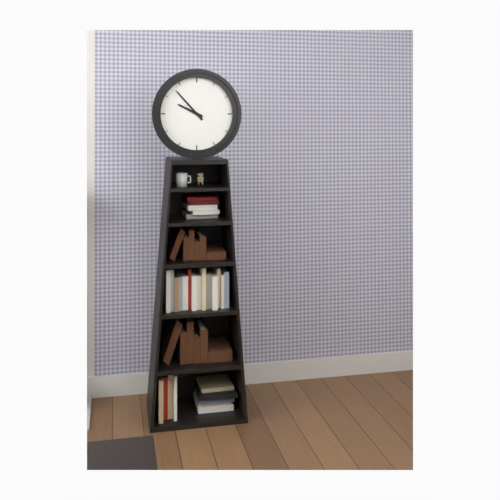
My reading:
**9:53**
